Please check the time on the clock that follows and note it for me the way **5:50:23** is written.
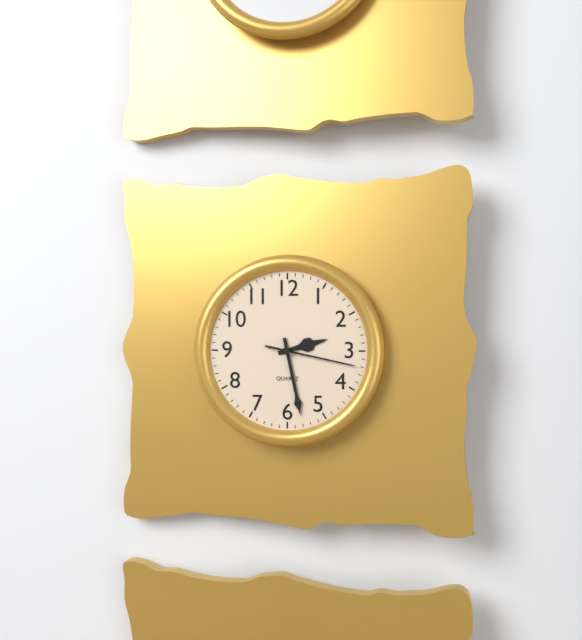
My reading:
**2:28:17**
